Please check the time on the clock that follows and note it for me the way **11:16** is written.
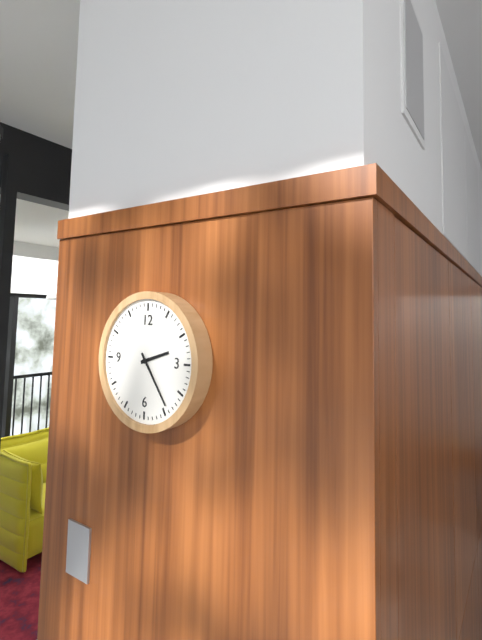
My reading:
**2:24**
